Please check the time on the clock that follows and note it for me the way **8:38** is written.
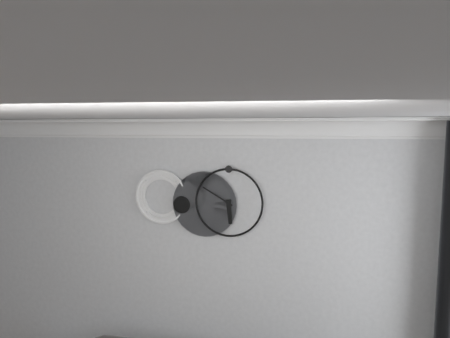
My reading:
**5:50**
